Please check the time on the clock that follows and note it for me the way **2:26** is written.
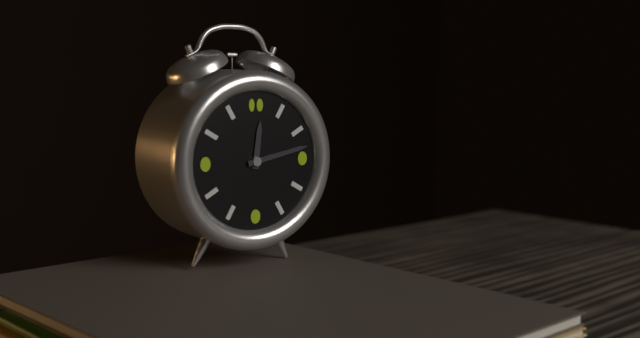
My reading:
**12:13**
